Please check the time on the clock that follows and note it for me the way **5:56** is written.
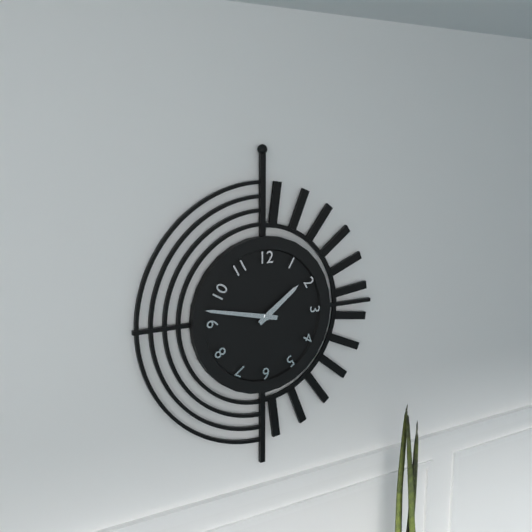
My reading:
**1:47**
